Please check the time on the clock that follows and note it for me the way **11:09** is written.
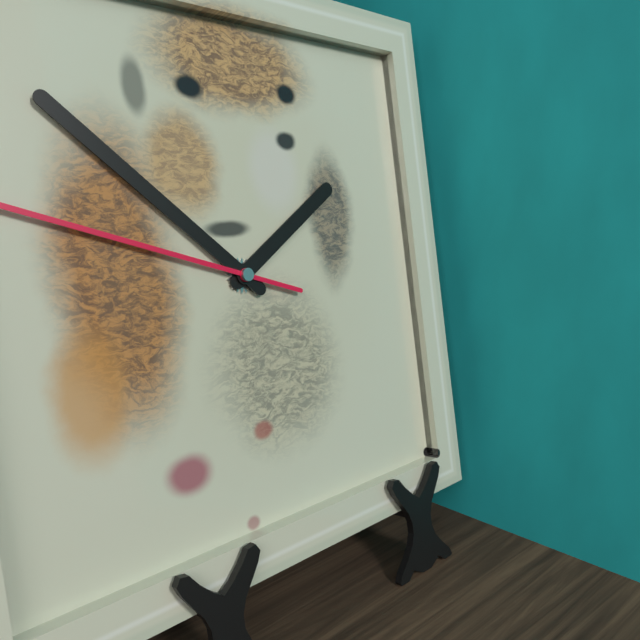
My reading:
**1:52**
